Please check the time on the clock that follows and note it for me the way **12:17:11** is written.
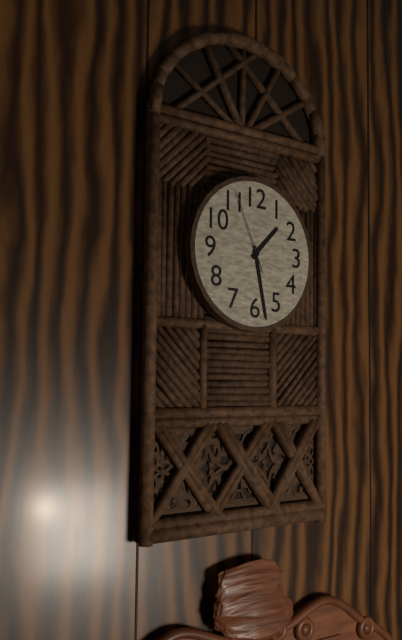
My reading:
**1:28:56**
